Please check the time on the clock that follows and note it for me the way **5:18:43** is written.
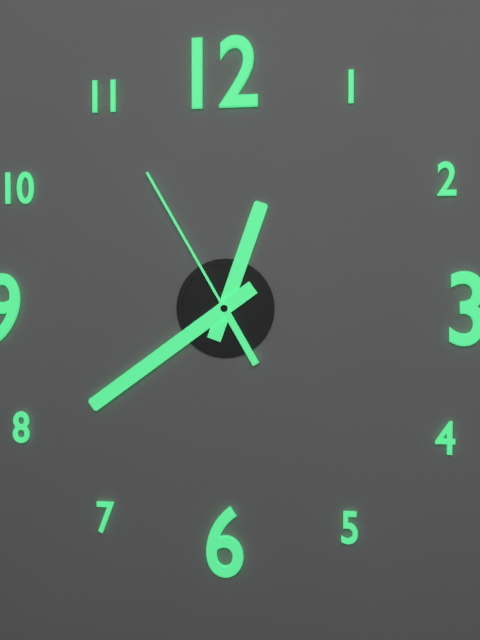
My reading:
**12:39:55**
